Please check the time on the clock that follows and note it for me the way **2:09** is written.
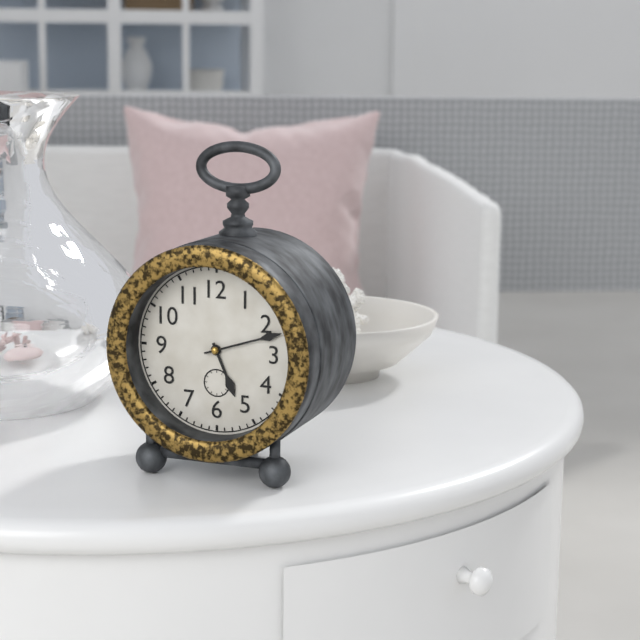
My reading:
**5:12**
